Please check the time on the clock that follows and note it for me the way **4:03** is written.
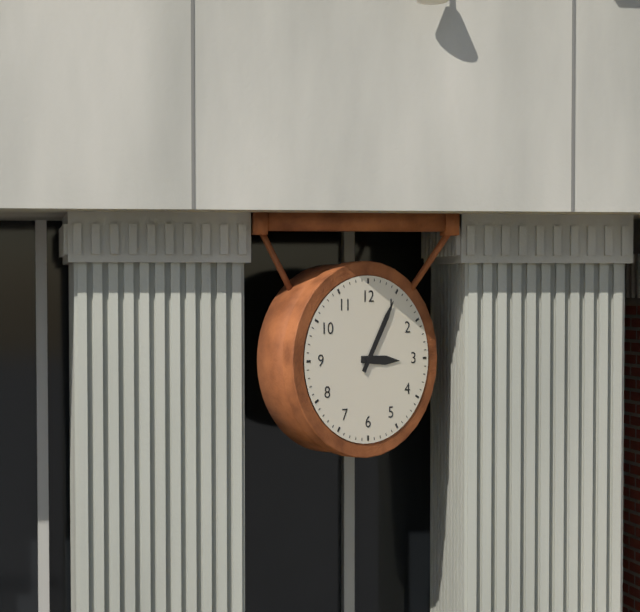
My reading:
**3:05**
